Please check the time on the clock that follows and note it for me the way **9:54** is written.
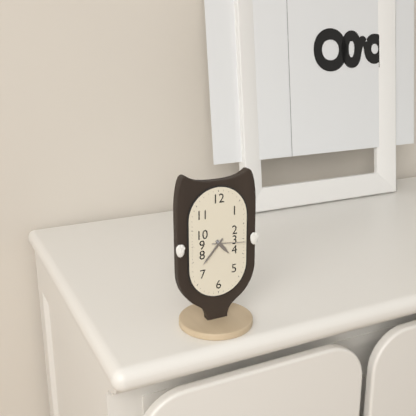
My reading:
**4:37**
